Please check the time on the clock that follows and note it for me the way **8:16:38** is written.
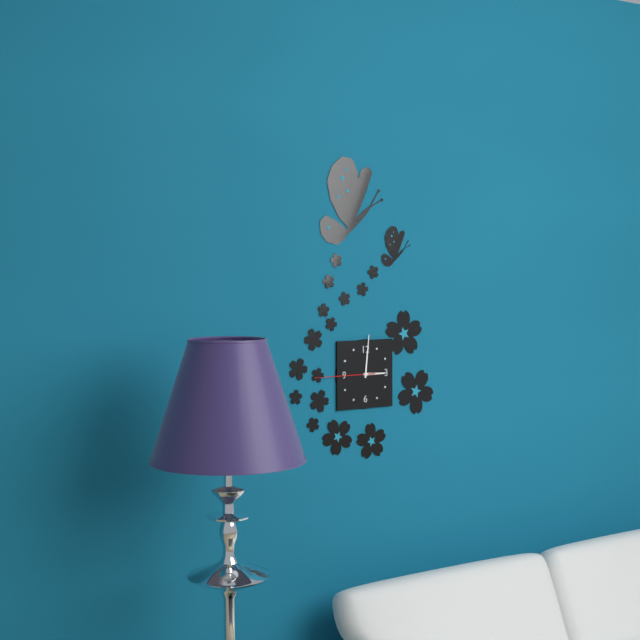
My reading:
**3:01:45**
